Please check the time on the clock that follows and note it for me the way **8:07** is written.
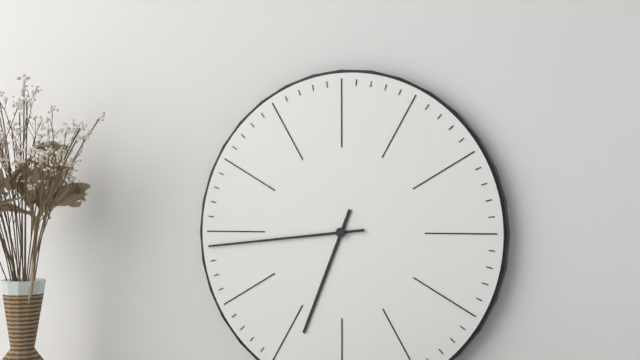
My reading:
**6:44**
